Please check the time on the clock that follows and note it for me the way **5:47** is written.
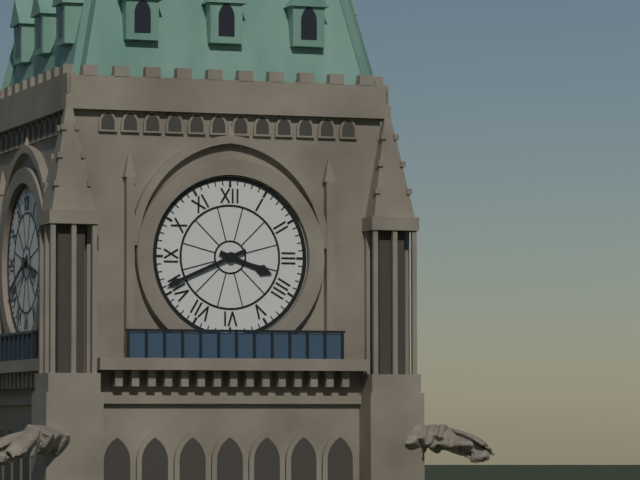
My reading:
**3:41**
